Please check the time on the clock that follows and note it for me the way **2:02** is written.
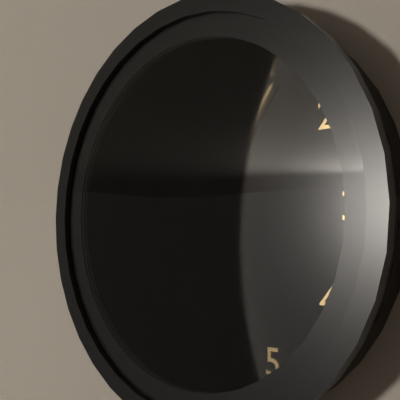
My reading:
**8:06**
